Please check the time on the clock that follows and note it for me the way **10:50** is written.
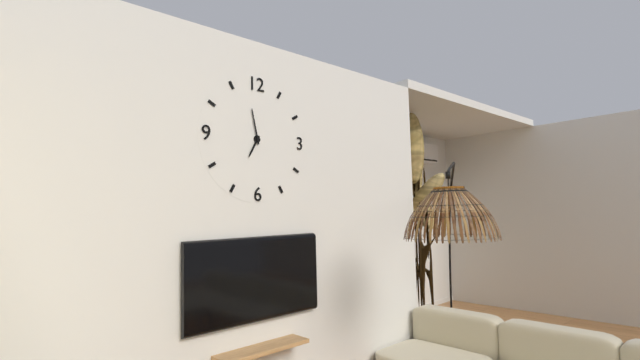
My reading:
**6:58**
